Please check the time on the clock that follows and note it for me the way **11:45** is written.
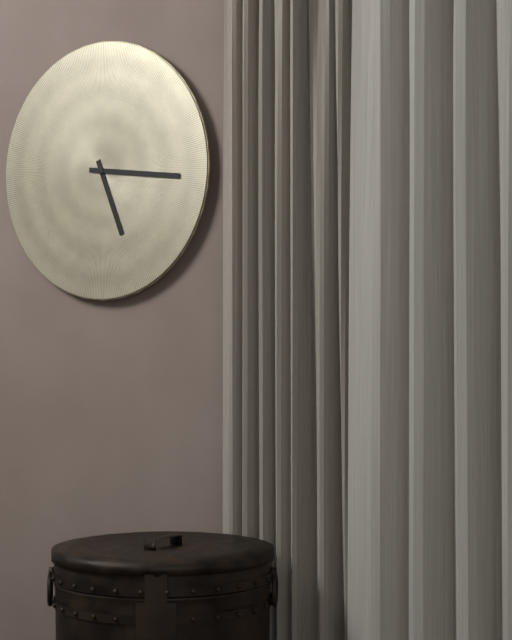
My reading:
**5:16**
